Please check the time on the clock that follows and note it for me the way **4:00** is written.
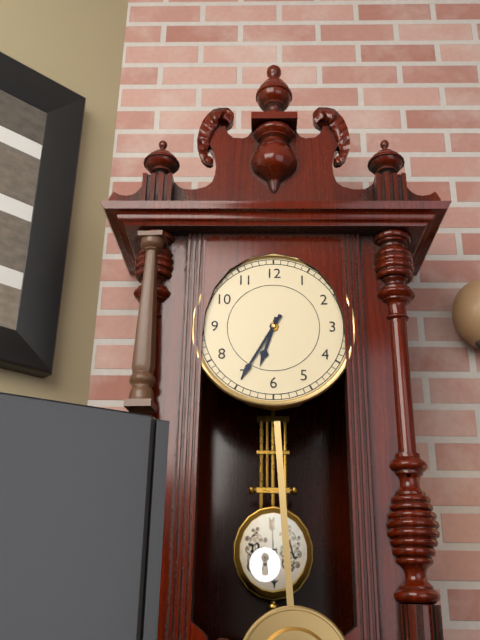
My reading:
**6:35**
